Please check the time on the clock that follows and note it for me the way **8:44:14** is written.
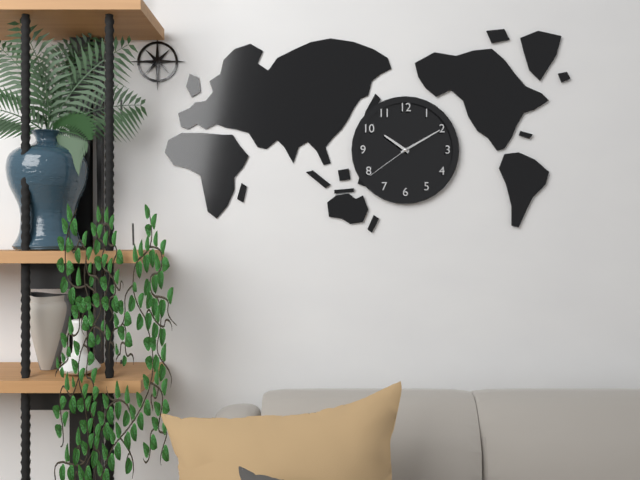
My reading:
**10:10:39**
